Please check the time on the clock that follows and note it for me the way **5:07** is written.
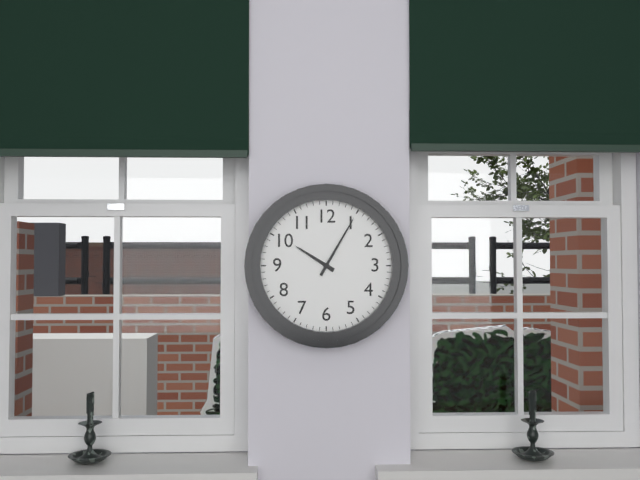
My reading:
**10:05**
